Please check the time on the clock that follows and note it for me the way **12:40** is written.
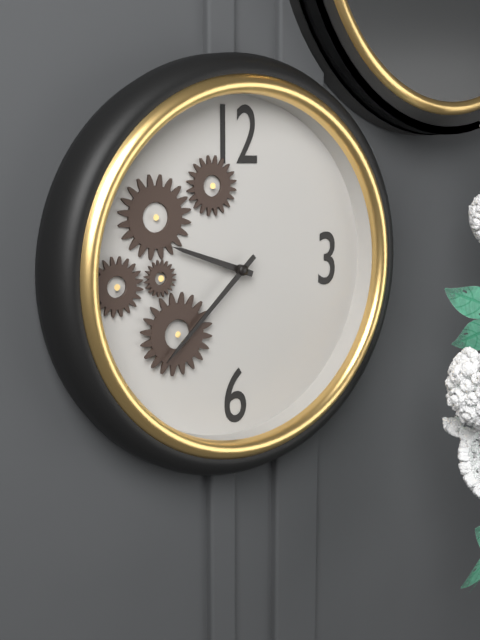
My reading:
**9:38**
